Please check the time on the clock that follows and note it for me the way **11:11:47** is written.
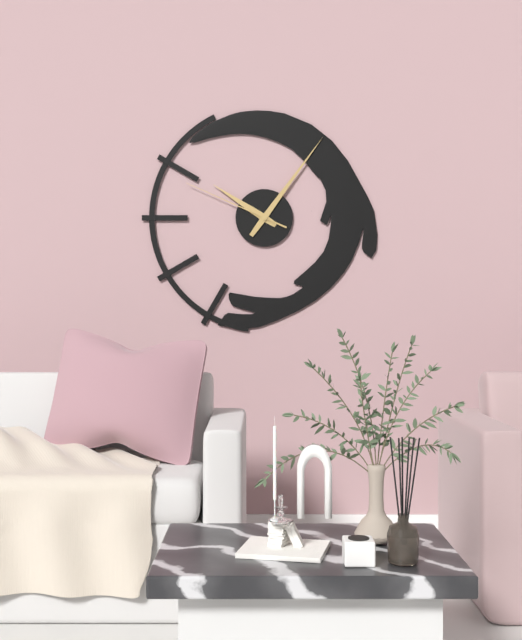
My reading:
**10:06:49**
